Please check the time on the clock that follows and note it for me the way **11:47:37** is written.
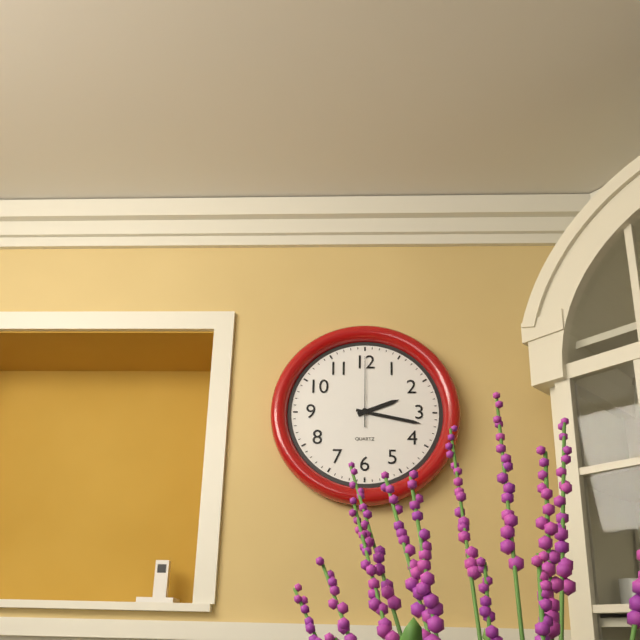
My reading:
**2:17:00**
